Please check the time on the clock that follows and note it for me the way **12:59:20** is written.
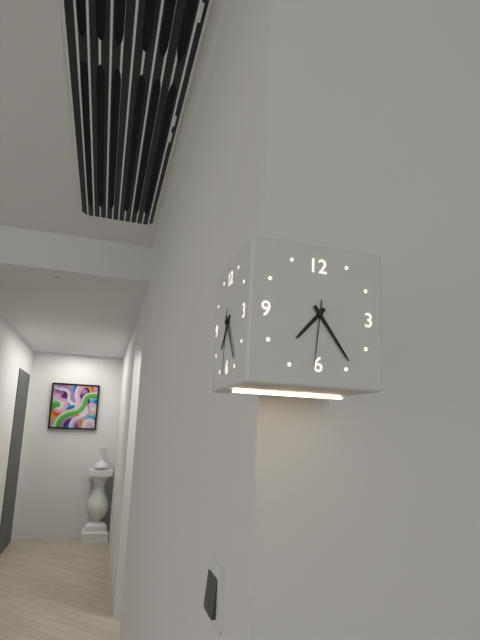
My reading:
**7:24:31**
